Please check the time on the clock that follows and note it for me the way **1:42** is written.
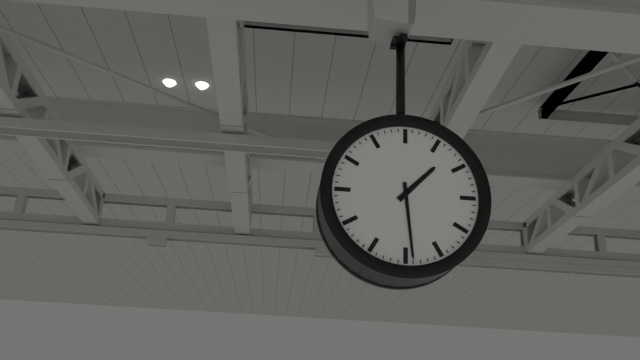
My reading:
**1:29**
